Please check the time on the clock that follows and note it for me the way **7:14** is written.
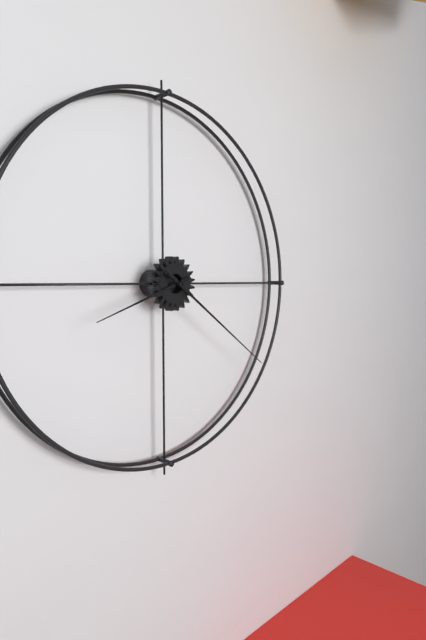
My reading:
**8:21**
